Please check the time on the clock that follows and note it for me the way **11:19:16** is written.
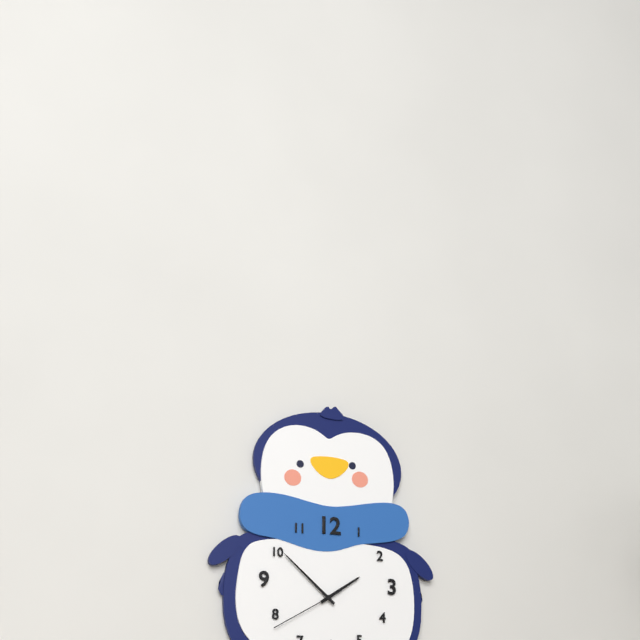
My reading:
**1:52:40**
